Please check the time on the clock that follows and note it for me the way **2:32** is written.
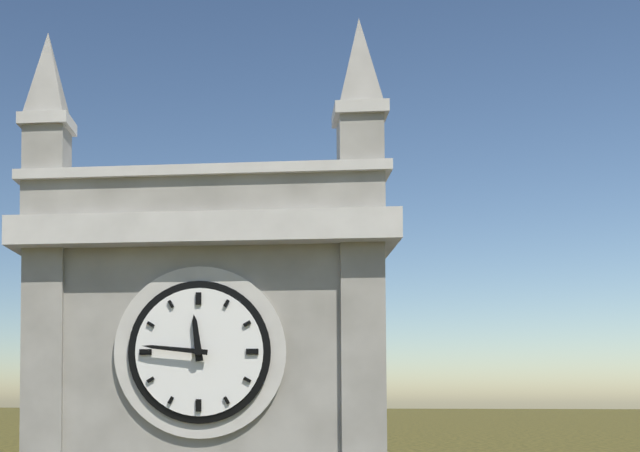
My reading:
**11:46**
